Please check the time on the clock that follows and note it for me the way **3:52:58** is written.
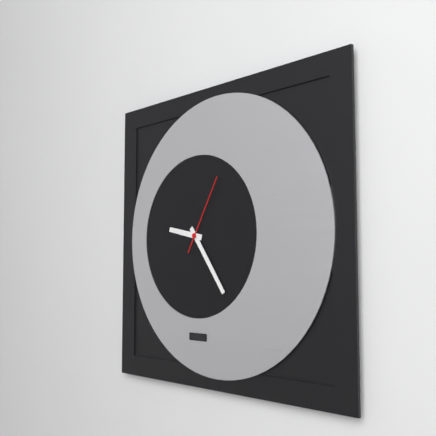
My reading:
**9:24:05**
